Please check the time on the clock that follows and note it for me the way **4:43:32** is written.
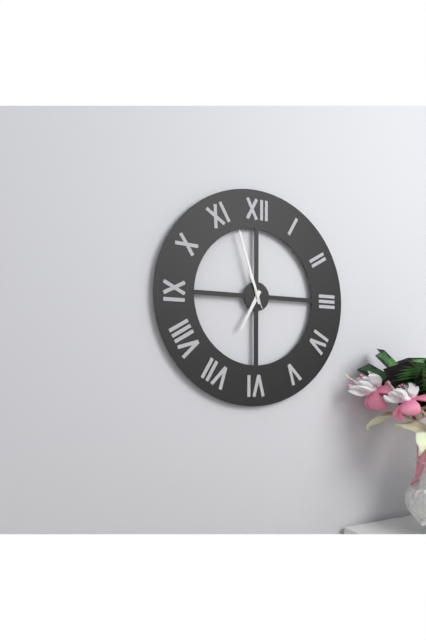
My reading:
**6:57:56**
